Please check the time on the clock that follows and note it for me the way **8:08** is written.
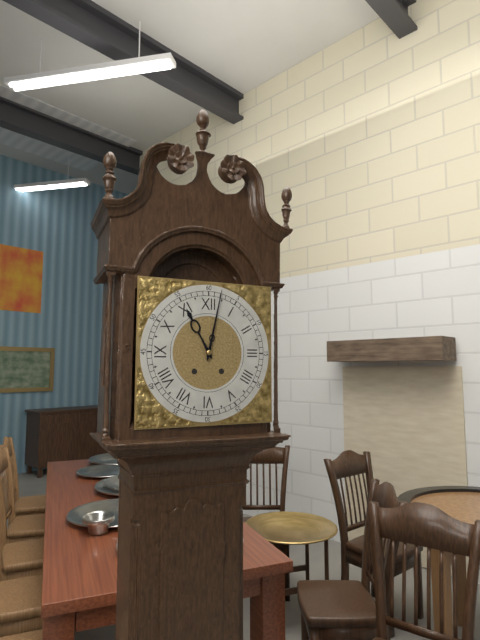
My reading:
**11:02**
